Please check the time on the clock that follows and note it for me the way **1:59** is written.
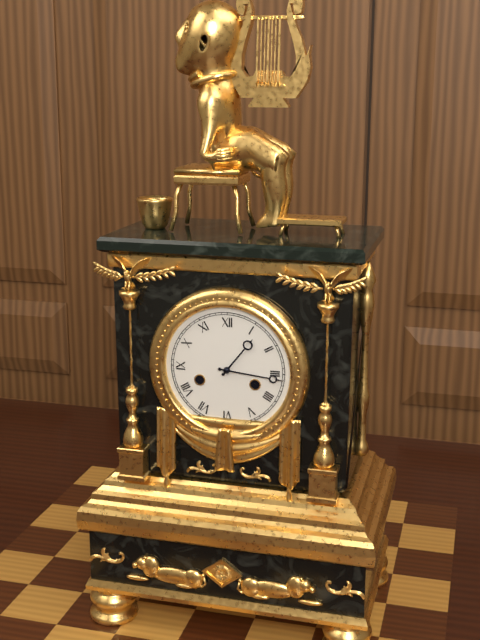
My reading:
**1:16**
